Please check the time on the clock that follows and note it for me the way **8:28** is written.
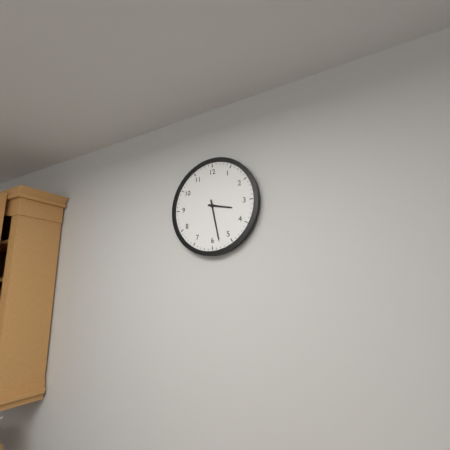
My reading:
**3:28**
